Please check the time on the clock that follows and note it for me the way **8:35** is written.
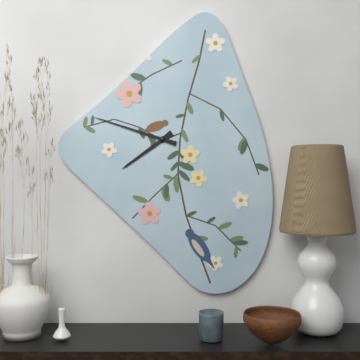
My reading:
**7:48**
